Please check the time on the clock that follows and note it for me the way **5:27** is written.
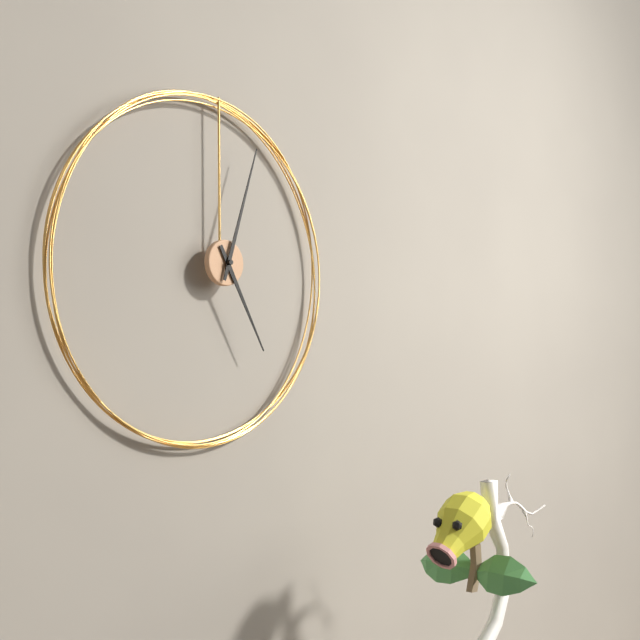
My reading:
**5:03**
